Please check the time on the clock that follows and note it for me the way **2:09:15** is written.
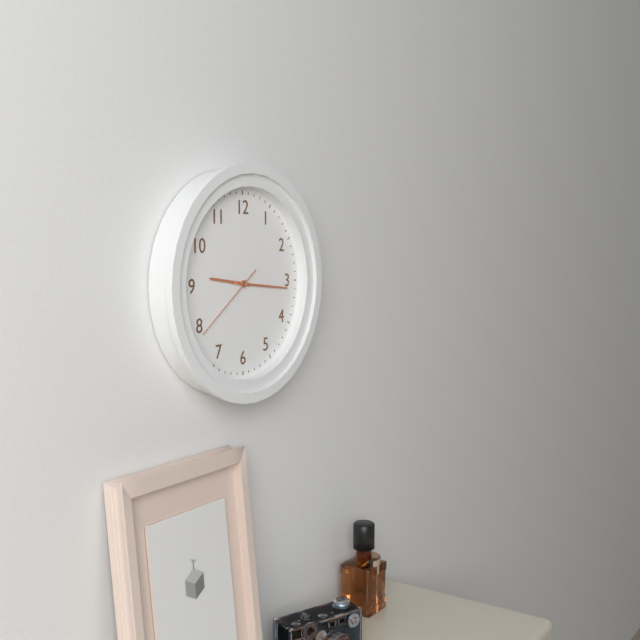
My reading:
**9:16:39**
